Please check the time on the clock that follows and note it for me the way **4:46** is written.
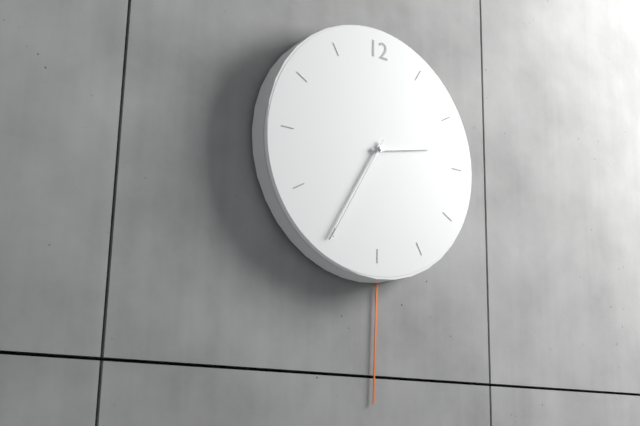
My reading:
**2:35**
